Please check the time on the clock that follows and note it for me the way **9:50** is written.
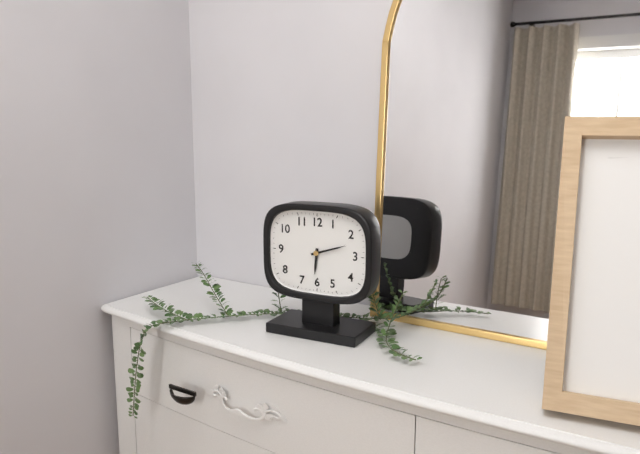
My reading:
**6:12**
